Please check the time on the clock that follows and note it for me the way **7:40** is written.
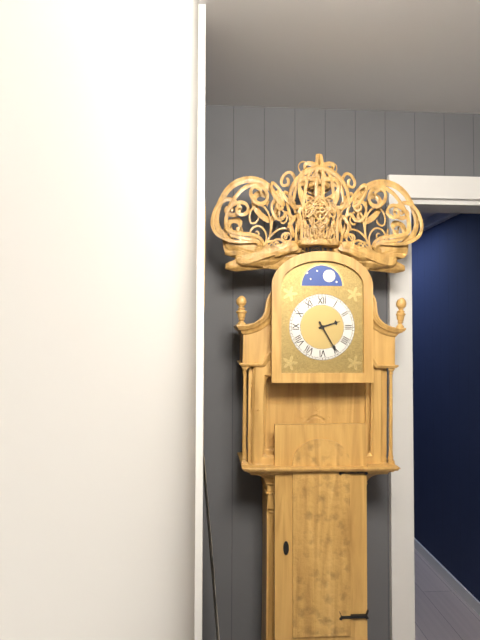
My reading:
**2:25**
